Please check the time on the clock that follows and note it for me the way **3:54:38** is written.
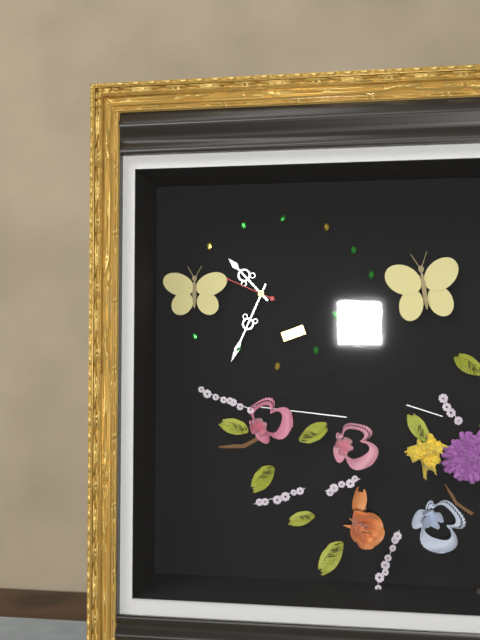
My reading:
**10:34:49**
